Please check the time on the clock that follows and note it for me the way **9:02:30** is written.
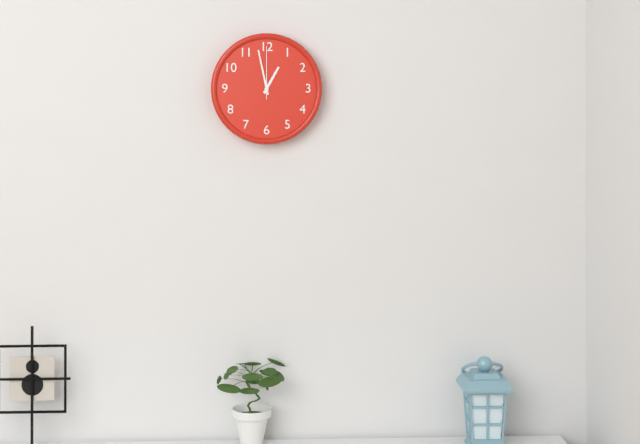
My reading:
**12:58:00**
